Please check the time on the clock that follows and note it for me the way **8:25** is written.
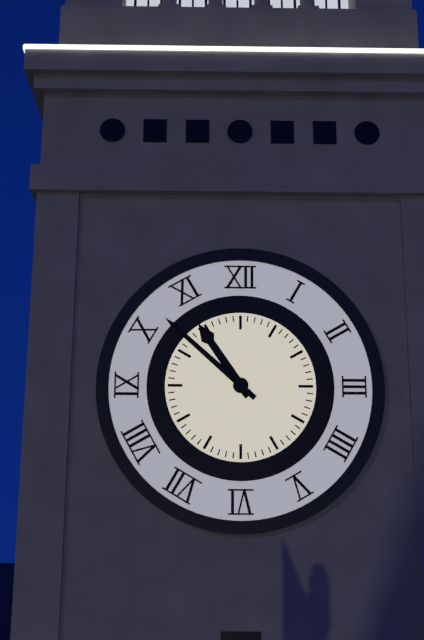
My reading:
**10:52**
